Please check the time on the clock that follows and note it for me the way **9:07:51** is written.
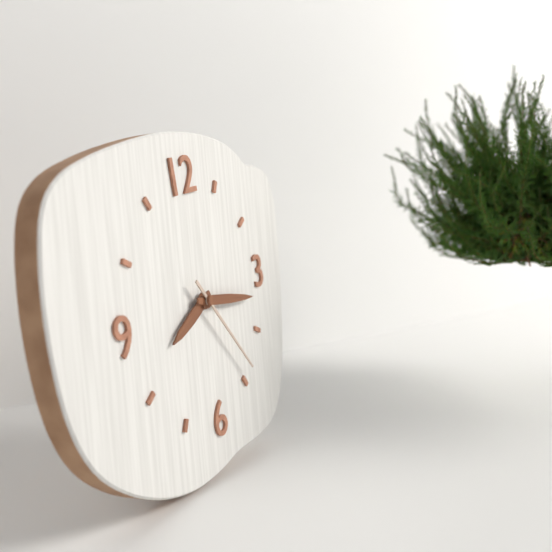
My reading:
**8:17:24**
